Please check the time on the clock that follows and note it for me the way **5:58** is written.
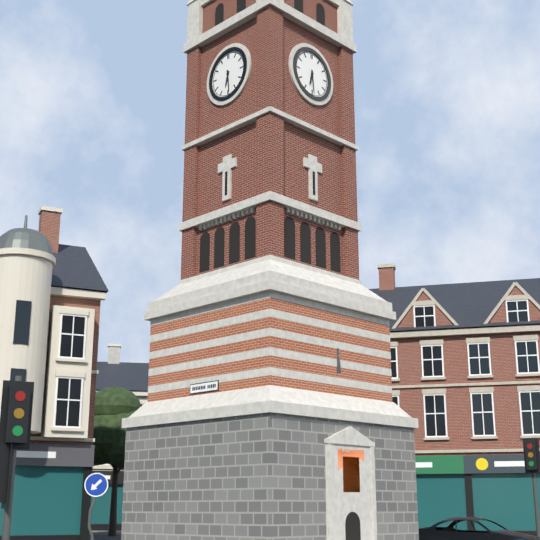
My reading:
**6:29**
